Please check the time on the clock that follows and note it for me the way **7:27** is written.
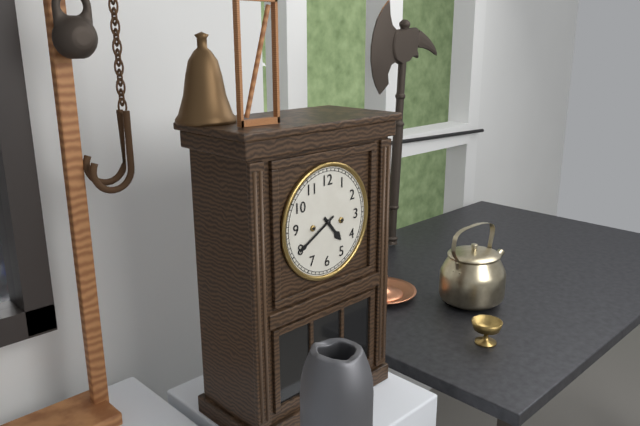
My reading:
**4:40**
